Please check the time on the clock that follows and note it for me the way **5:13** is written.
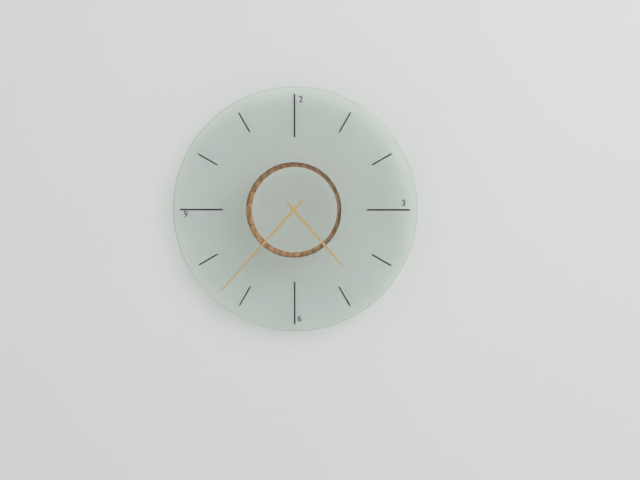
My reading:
**4:37**
